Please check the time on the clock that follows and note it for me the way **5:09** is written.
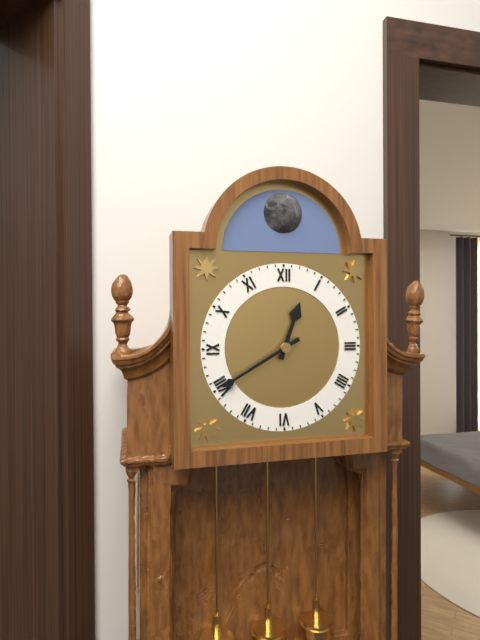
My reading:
**12:40**
